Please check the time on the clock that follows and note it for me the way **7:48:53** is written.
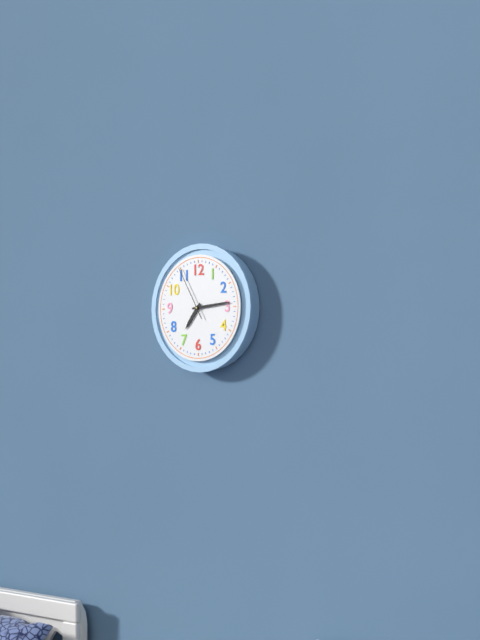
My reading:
**7:14:55**
